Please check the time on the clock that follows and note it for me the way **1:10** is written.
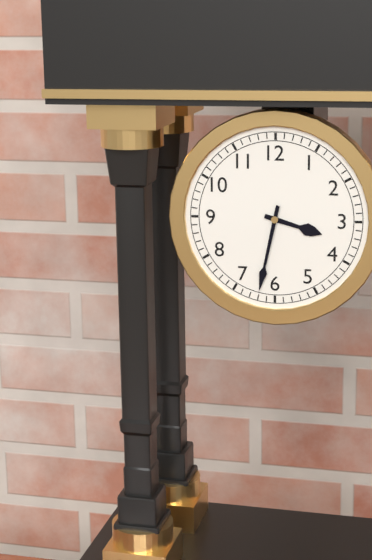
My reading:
**3:32**
